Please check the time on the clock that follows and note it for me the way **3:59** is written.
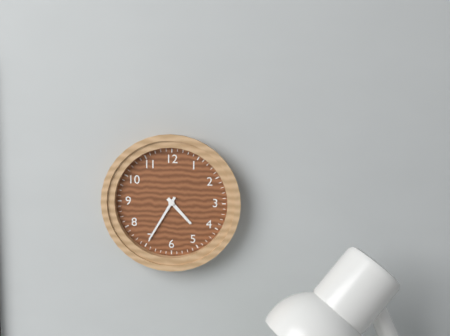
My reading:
**4:35**
